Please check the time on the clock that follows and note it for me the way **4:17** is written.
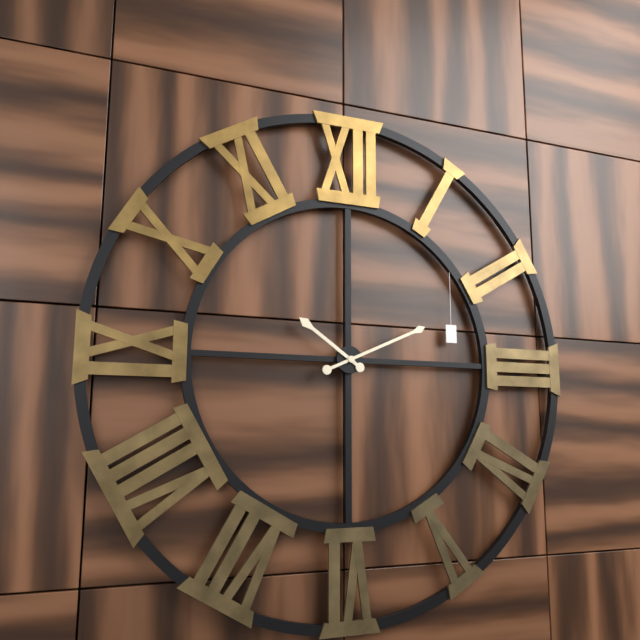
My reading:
**10:11**
